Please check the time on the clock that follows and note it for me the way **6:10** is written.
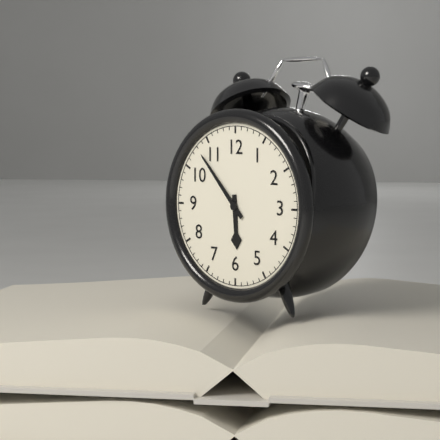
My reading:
**5:53**
